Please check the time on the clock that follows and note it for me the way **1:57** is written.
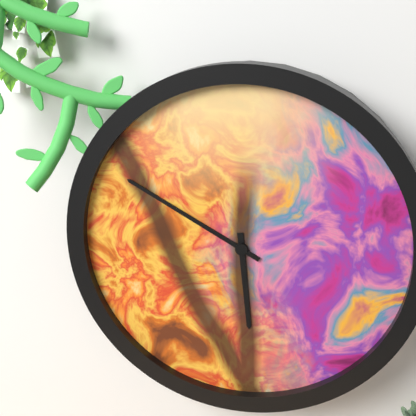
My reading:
**5:50**
